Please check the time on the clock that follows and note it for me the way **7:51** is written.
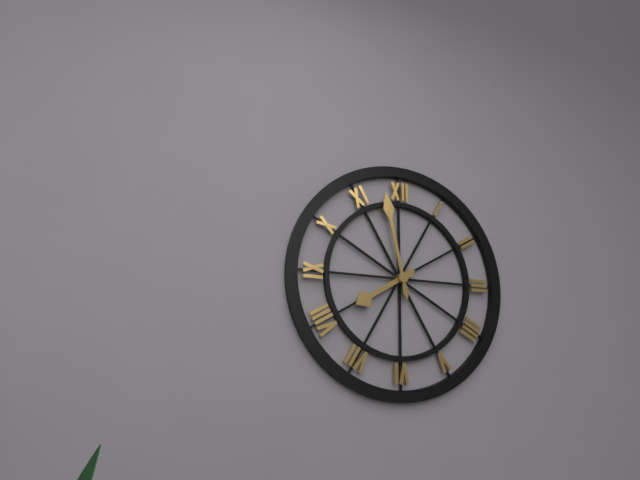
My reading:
**7:58**
